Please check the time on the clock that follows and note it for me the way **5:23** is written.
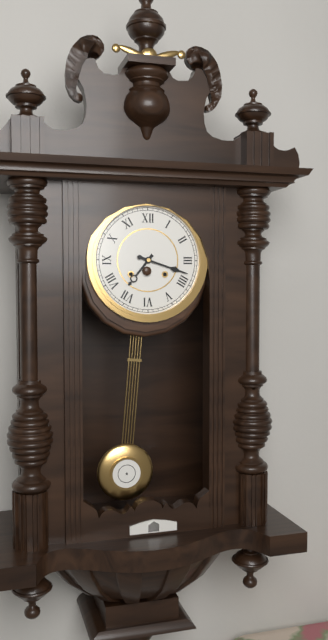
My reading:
**7:18**
